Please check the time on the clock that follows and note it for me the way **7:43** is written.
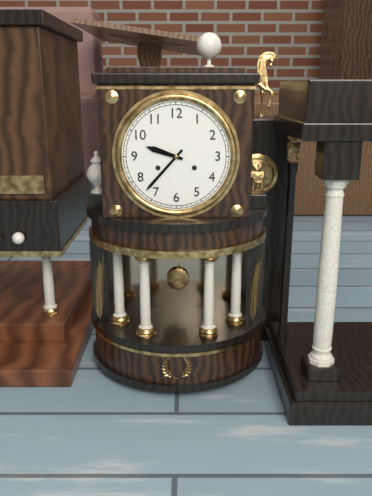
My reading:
**9:37**
